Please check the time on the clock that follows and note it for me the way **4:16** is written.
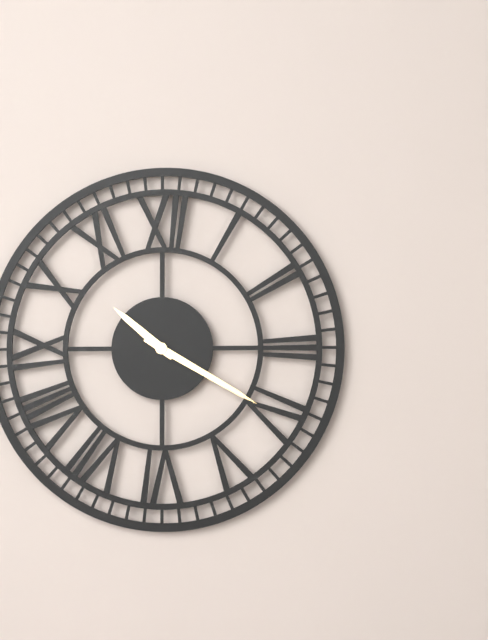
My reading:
**10:20**
